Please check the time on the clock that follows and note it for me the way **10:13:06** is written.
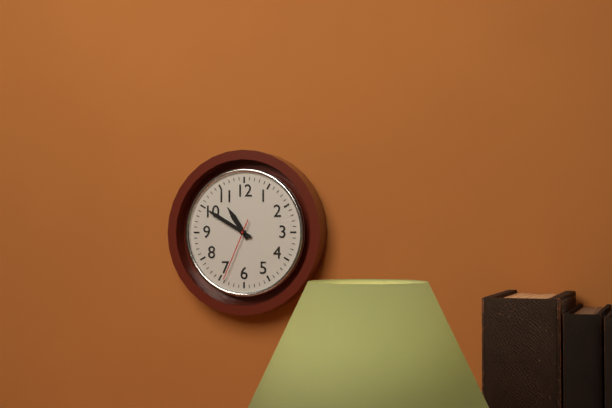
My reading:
**10:50:34**
